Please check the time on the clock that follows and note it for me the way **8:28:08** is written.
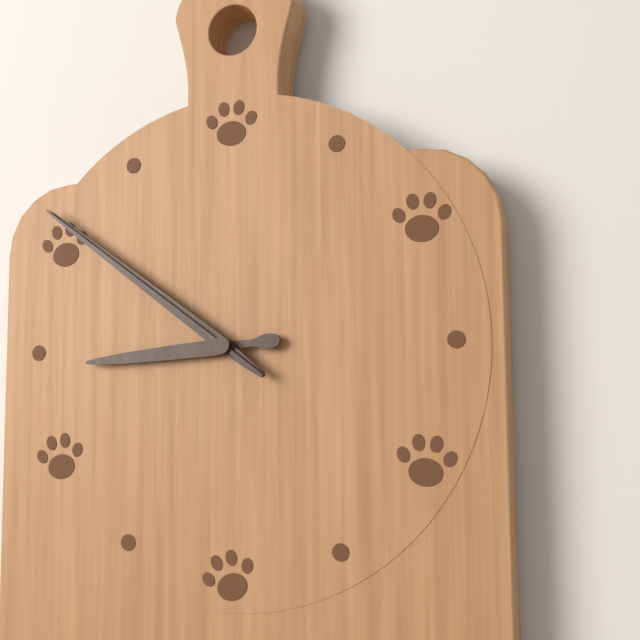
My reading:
**8:51:51**
